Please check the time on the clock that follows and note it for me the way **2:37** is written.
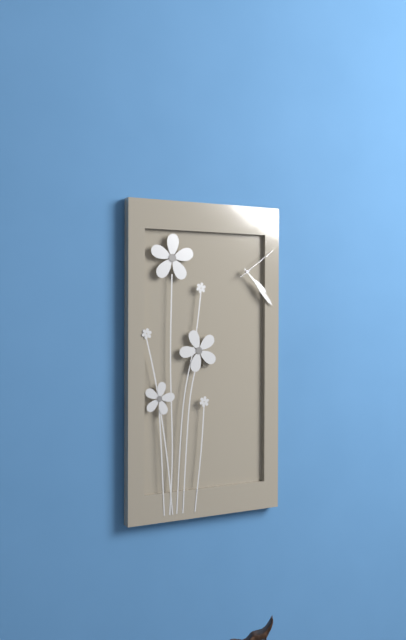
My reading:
**4:23**
